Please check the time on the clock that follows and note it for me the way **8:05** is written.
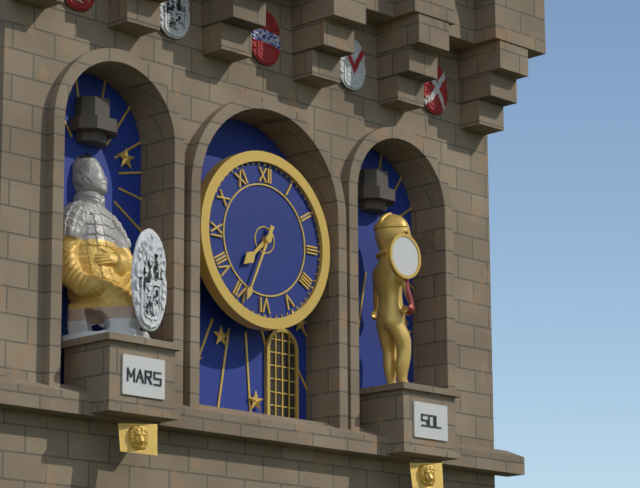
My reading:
**7:34**
